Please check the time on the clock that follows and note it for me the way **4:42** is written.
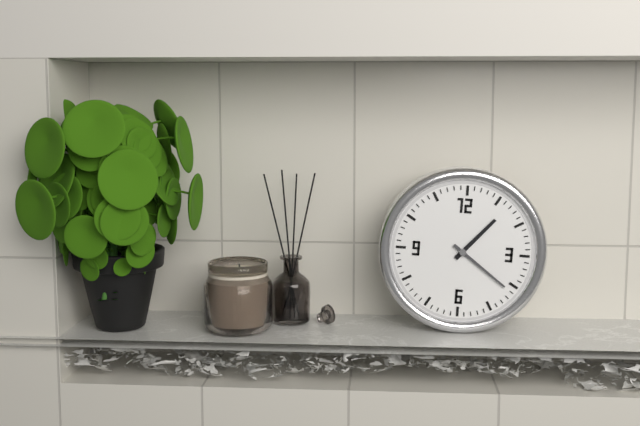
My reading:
**1:21**
